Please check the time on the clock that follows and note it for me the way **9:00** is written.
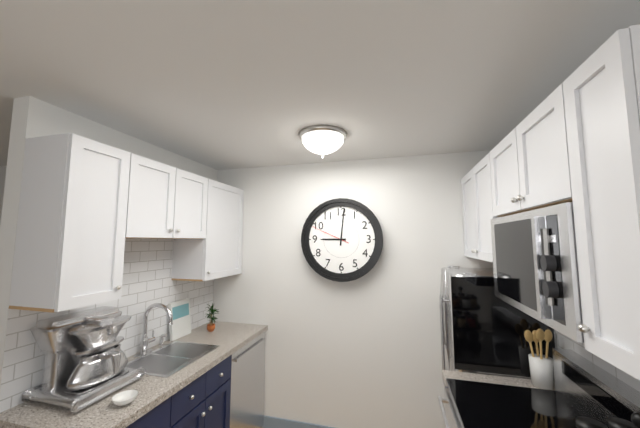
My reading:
**9:01**
